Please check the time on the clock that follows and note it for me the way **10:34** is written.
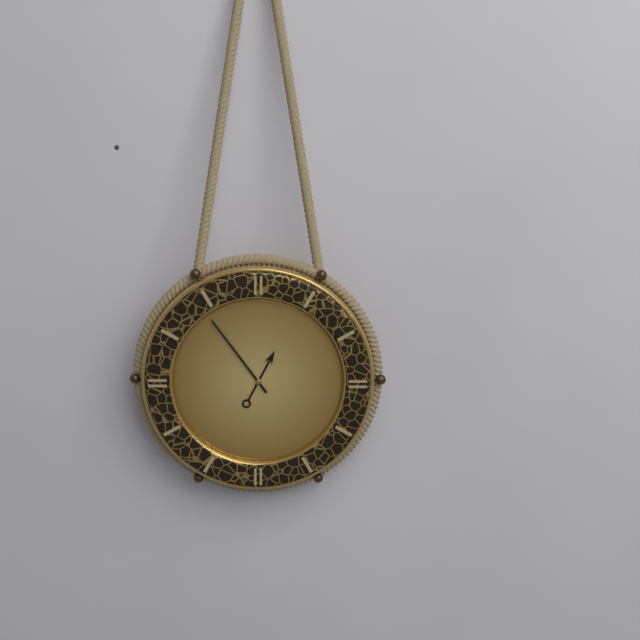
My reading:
**12:54**
